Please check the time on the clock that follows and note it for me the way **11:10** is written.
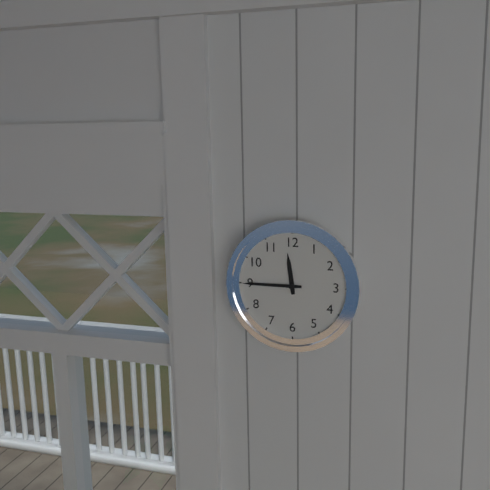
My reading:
**11:45**
